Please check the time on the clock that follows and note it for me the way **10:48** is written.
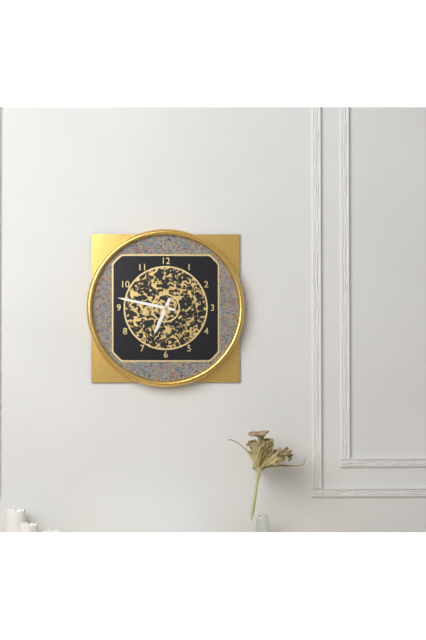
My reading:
**6:47**
